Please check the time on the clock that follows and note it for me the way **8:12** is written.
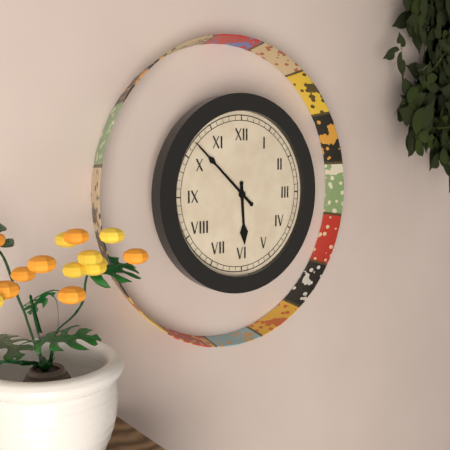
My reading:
**5:52**
